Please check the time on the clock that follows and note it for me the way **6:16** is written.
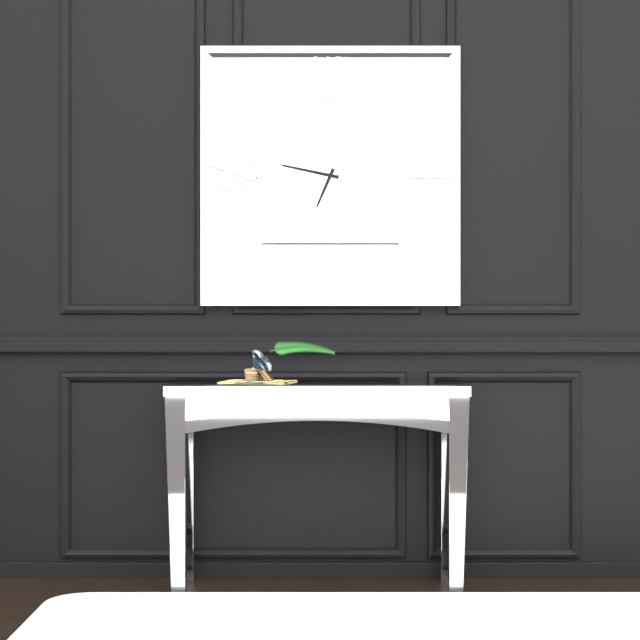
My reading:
**6:47**
